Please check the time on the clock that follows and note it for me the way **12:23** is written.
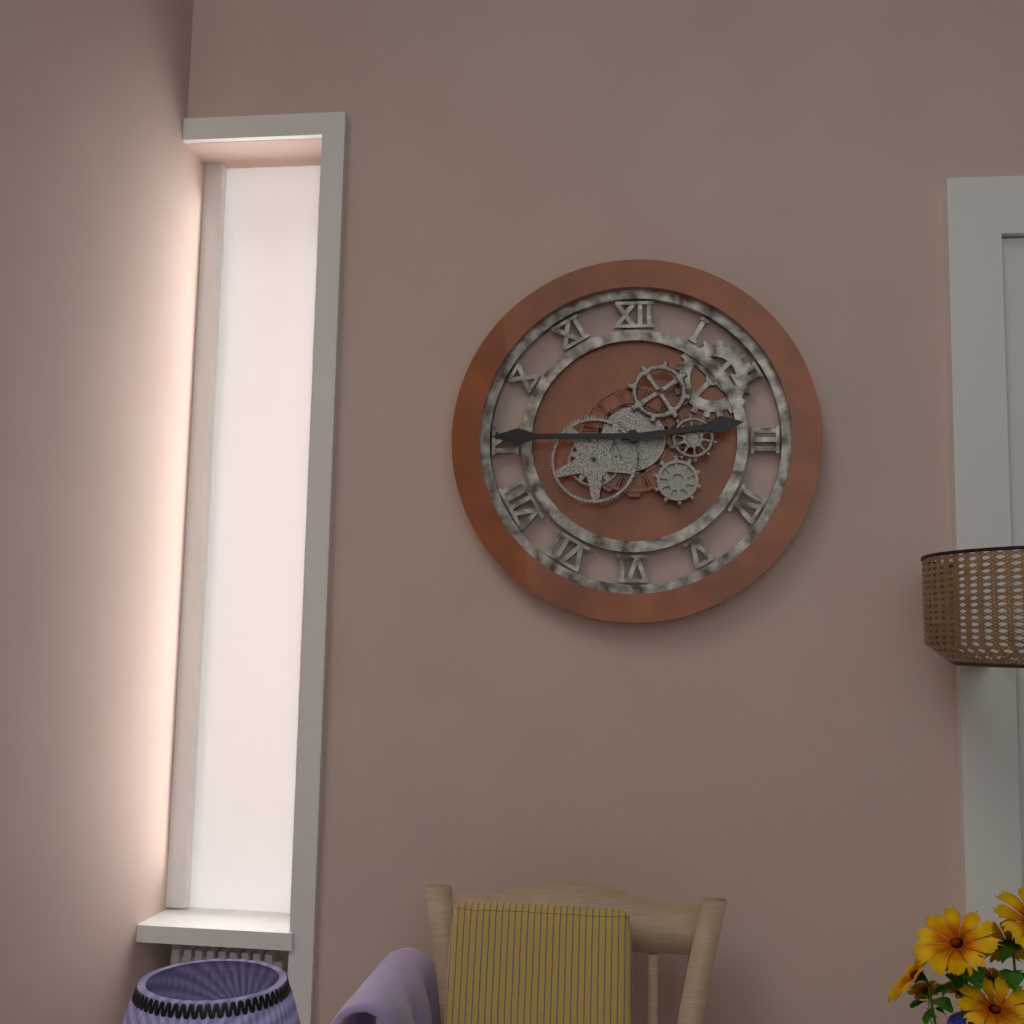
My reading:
**2:45**
